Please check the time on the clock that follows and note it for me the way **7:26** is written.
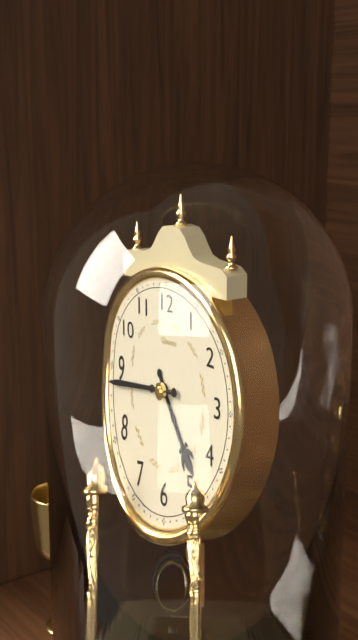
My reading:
**4:44**
